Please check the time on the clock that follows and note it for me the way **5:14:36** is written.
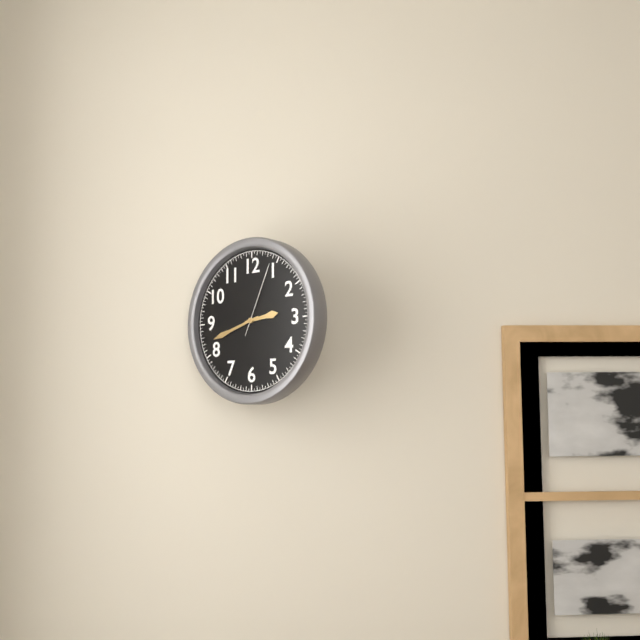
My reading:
**2:42:04**
